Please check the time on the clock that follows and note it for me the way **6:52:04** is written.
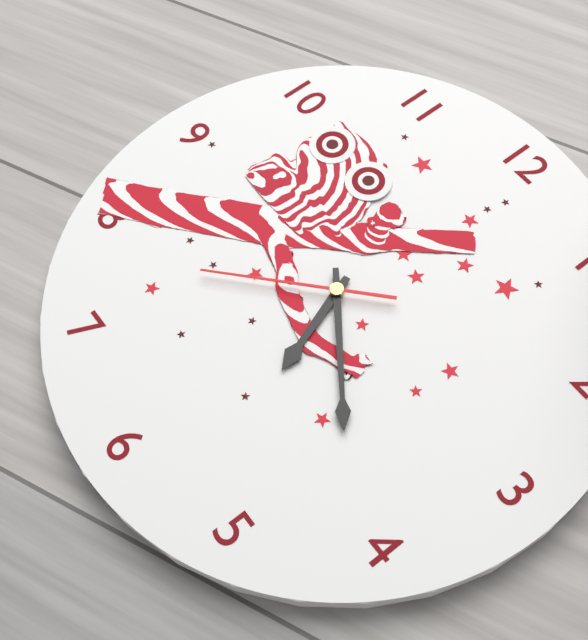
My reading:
**5:21:38**
